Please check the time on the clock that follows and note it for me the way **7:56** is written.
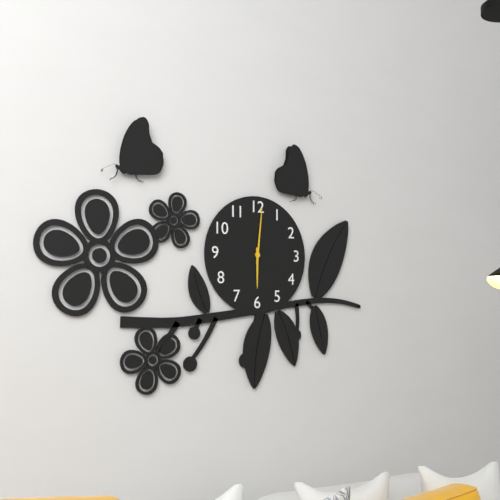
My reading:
**6:01**
